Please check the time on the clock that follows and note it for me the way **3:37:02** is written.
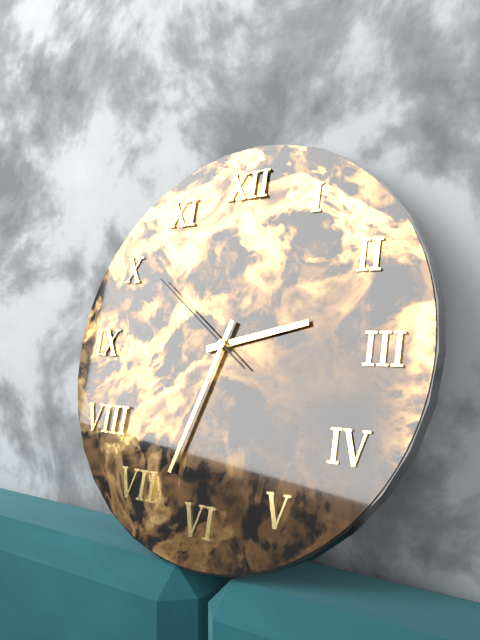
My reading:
**2:33:51**
